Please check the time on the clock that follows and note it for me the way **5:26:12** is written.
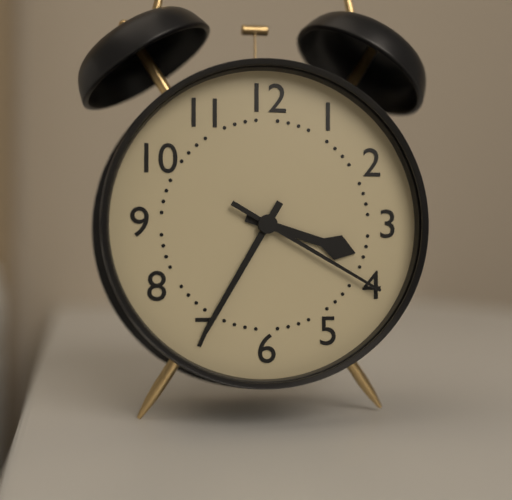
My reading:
**3:35:20**
